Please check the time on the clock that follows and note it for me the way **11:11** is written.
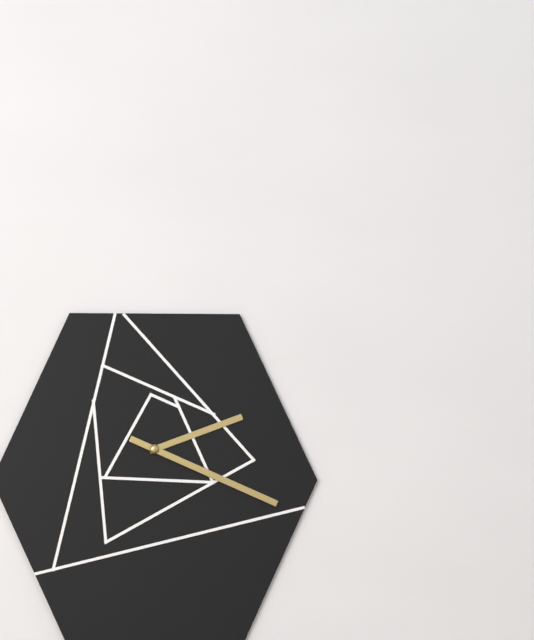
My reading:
**2:19**
